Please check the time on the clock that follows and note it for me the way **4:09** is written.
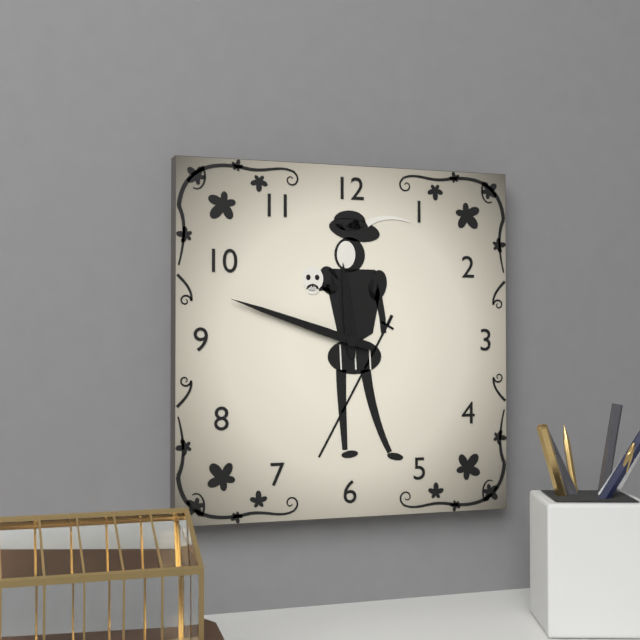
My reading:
**11:48**
